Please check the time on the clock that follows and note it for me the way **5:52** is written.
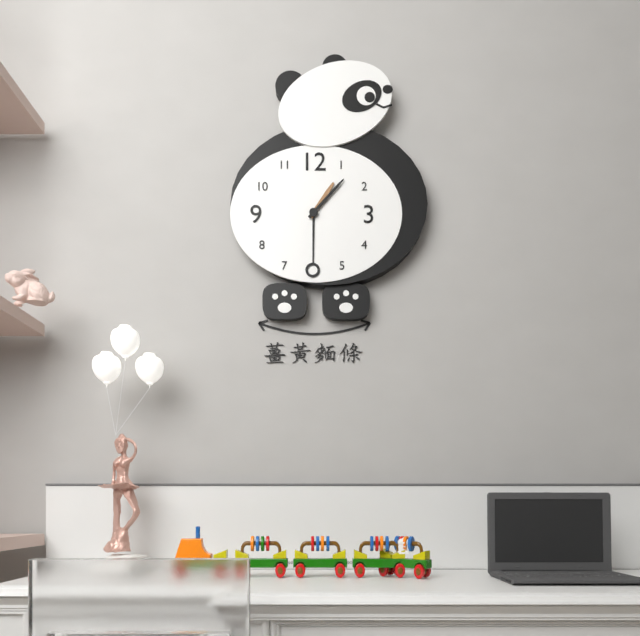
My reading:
**1:07**
